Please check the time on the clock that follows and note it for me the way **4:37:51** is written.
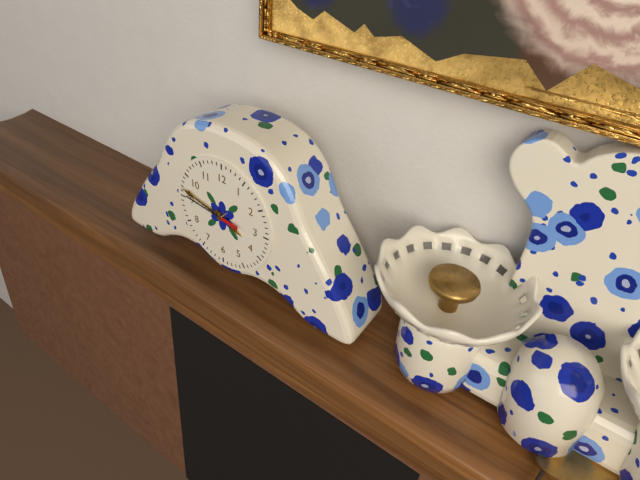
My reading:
**3:47:46**
